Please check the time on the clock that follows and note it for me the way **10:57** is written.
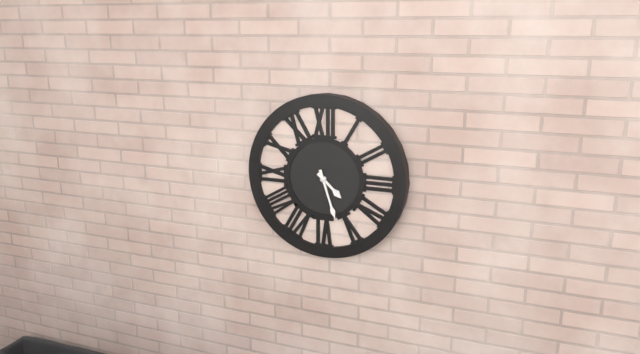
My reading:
**4:27**
